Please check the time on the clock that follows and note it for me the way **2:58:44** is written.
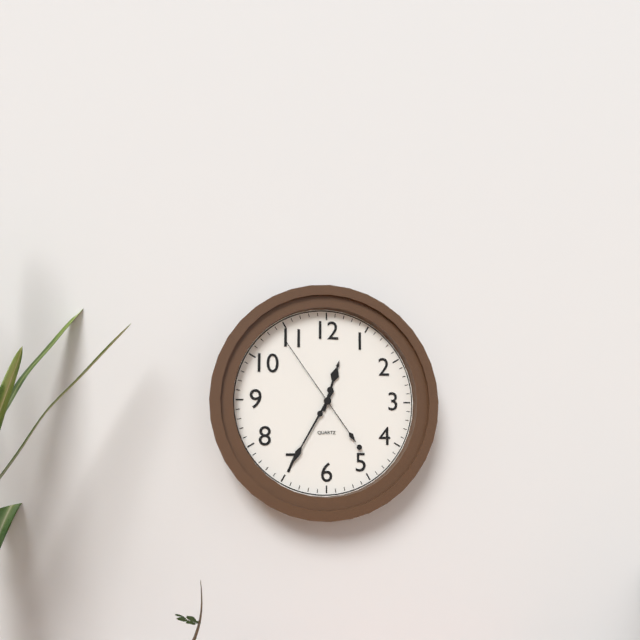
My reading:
**12:35:54**
